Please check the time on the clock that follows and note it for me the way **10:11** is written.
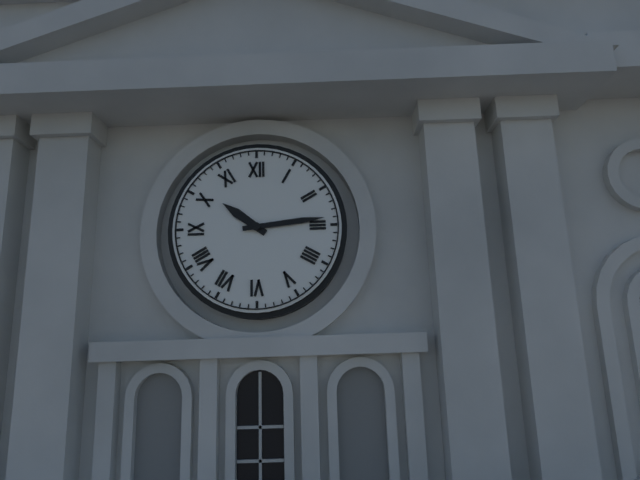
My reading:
**10:14**
